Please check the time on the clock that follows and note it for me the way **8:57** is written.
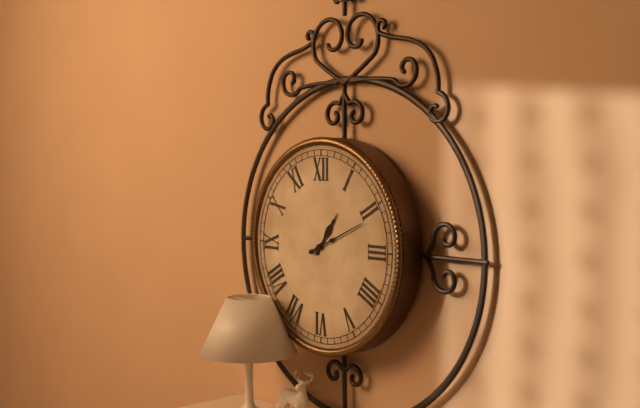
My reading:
**1:11**
